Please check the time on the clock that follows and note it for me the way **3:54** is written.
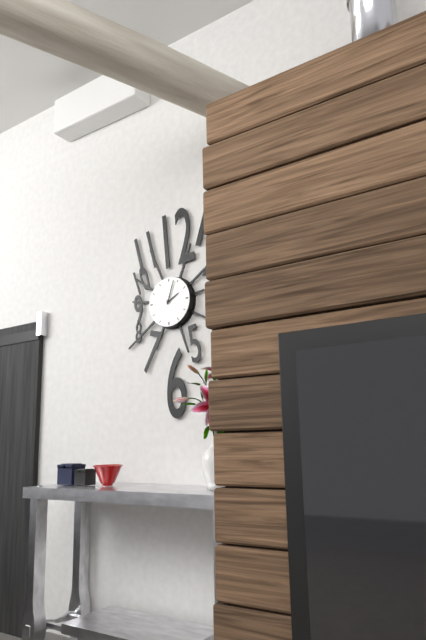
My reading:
**2:03**
